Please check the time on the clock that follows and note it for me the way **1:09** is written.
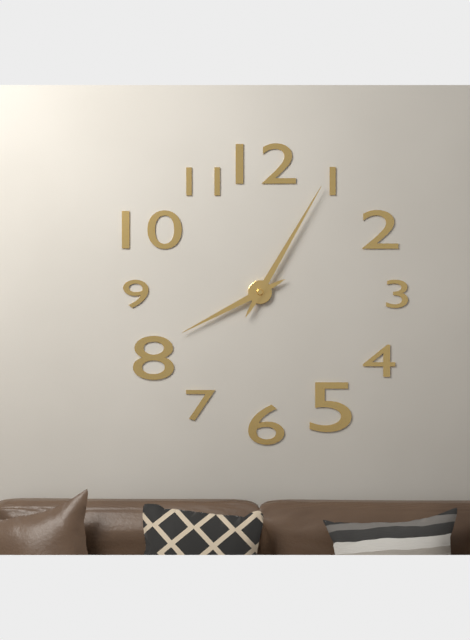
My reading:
**8:05**
